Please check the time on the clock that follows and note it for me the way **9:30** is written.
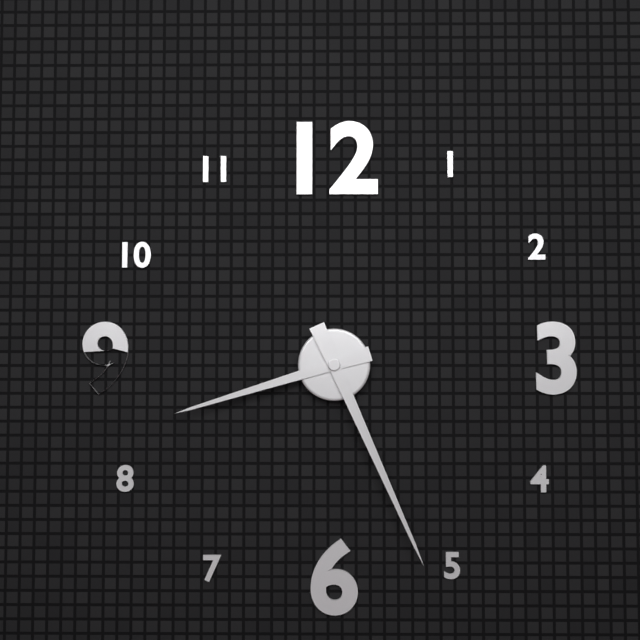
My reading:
**8:26**
